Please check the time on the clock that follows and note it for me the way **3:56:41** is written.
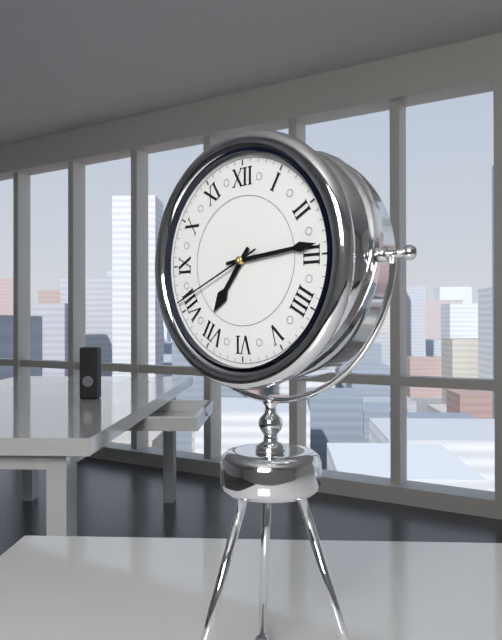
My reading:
**7:14:41**
